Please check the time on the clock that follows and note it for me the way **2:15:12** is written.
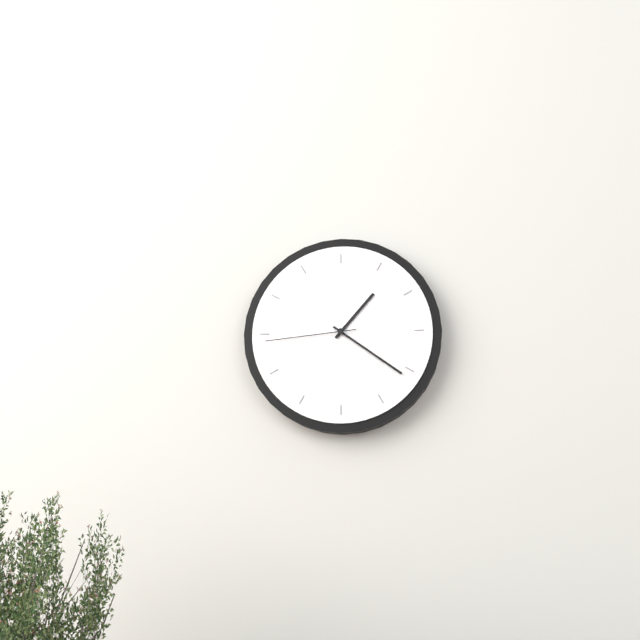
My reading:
**1:21:44**
